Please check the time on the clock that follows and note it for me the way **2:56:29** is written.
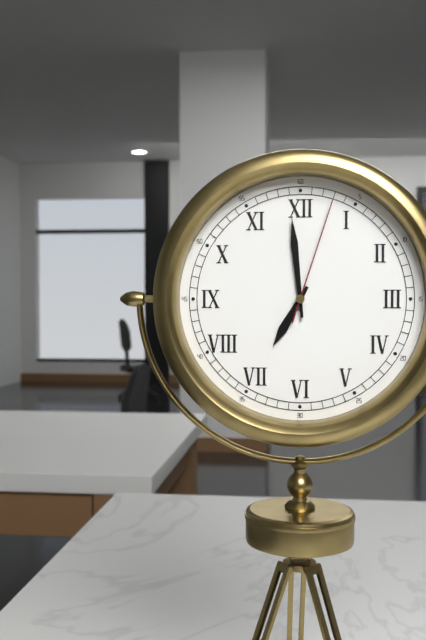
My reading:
**6:59:03**
